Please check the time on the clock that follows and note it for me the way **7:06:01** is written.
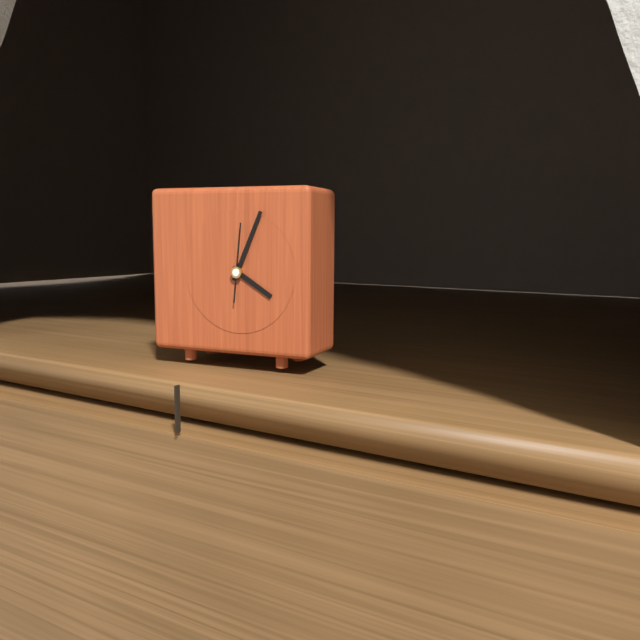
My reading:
**4:04:01**
